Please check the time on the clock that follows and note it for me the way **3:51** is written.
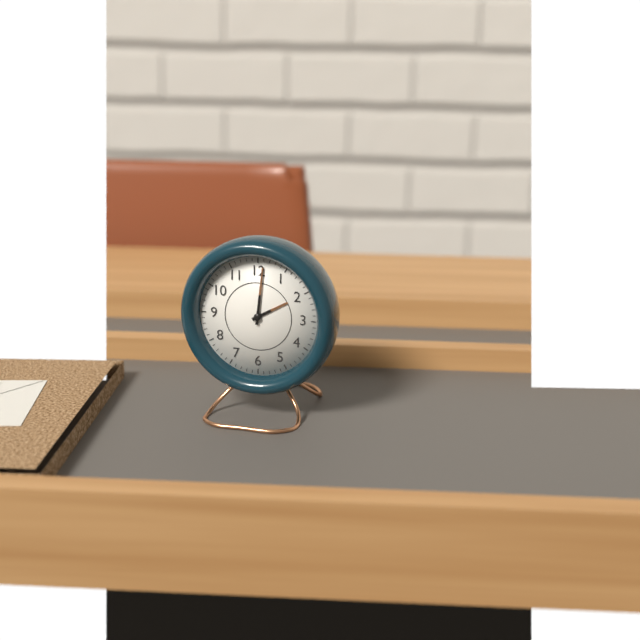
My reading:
**2:01**
